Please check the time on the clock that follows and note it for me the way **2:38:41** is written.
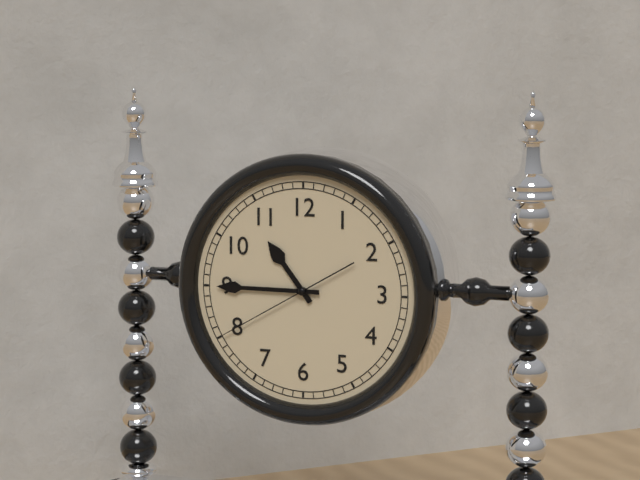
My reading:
**10:45:40**
